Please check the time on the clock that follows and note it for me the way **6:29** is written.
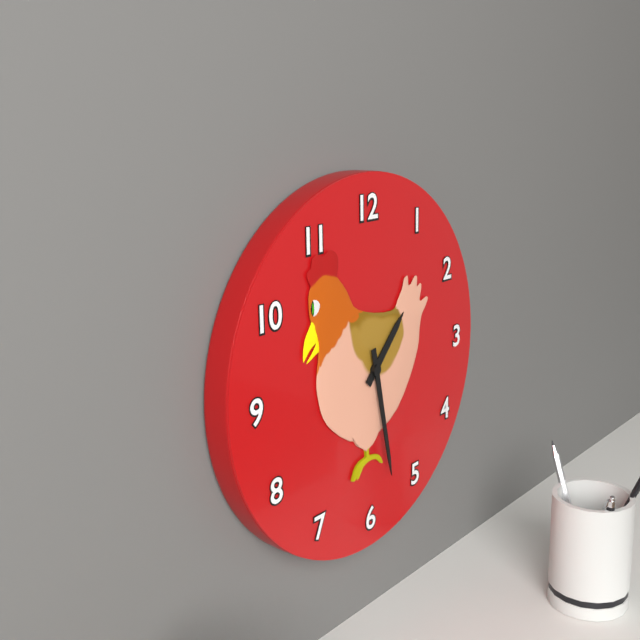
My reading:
**1:28**
